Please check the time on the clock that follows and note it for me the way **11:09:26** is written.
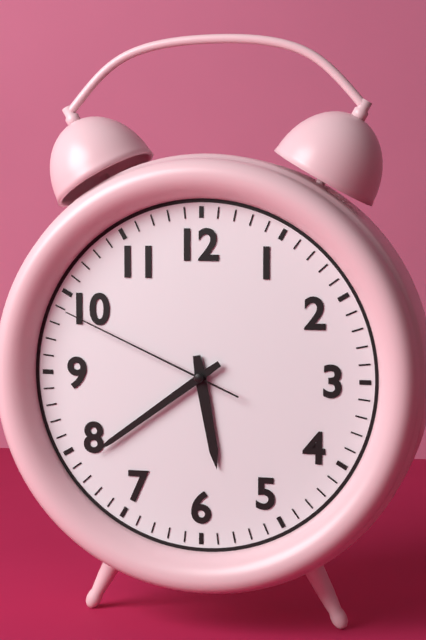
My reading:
**5:39:49**
